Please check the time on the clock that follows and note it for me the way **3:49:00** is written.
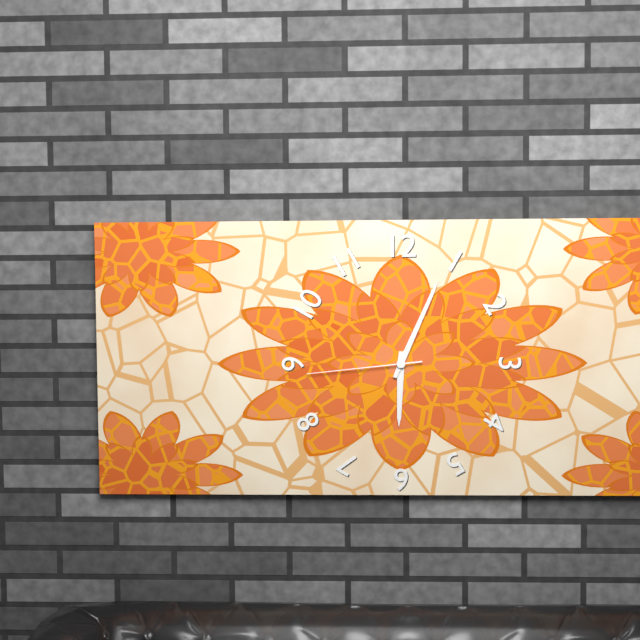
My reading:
**6:04:44**
